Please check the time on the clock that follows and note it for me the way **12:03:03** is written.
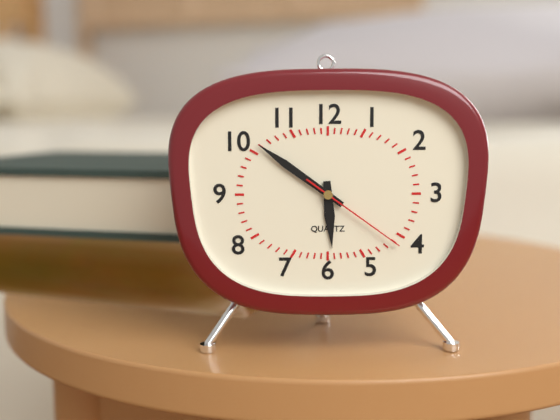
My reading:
**5:51:21**
